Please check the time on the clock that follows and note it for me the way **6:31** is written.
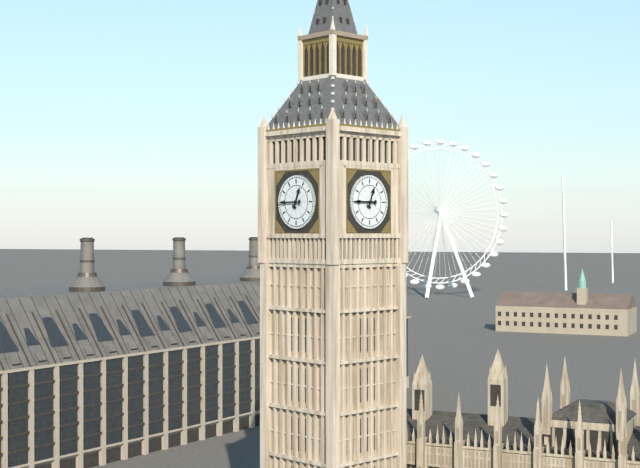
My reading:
**12:45**
